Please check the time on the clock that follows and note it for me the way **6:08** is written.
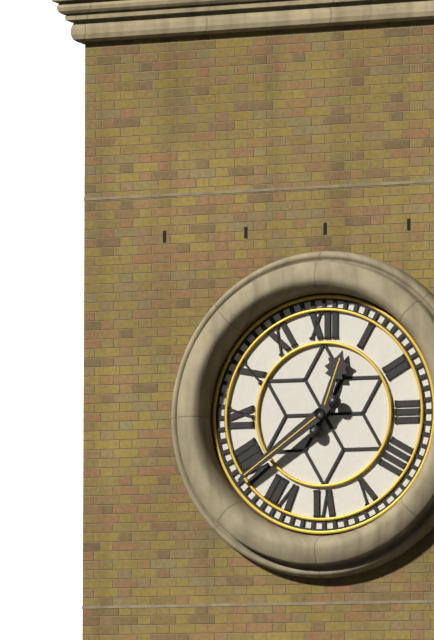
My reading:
**12:39**
